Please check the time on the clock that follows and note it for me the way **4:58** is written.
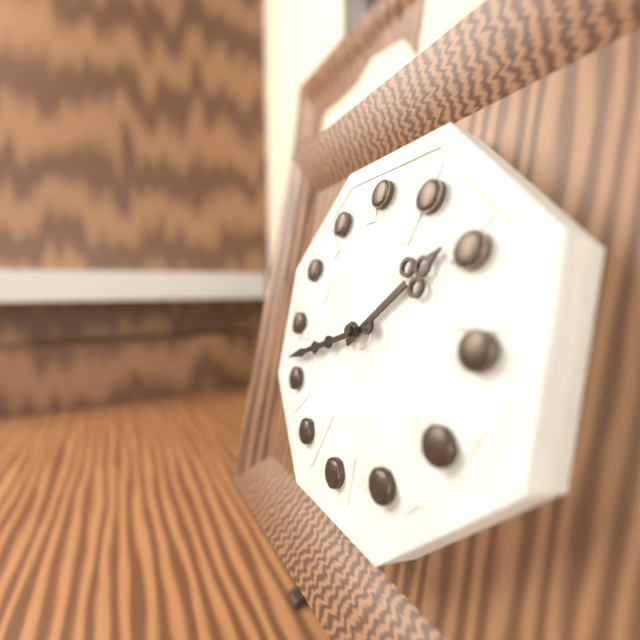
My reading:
**1:42**
